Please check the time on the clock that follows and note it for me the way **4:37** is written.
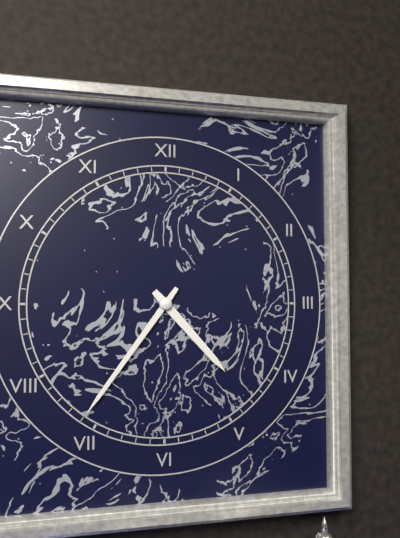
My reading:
**4:36**
